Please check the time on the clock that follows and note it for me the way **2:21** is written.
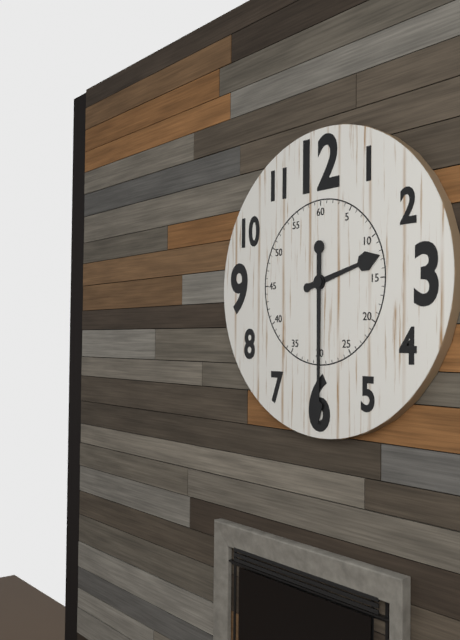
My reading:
**2:30**
